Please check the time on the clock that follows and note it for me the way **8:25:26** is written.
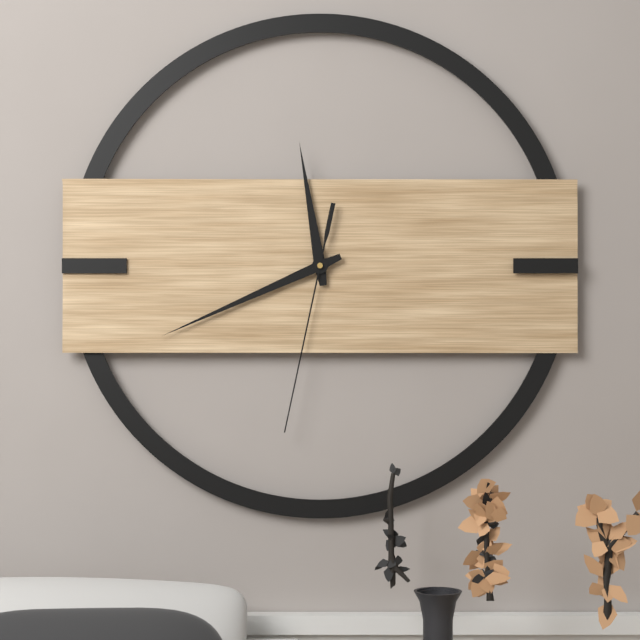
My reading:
**11:41:32**
